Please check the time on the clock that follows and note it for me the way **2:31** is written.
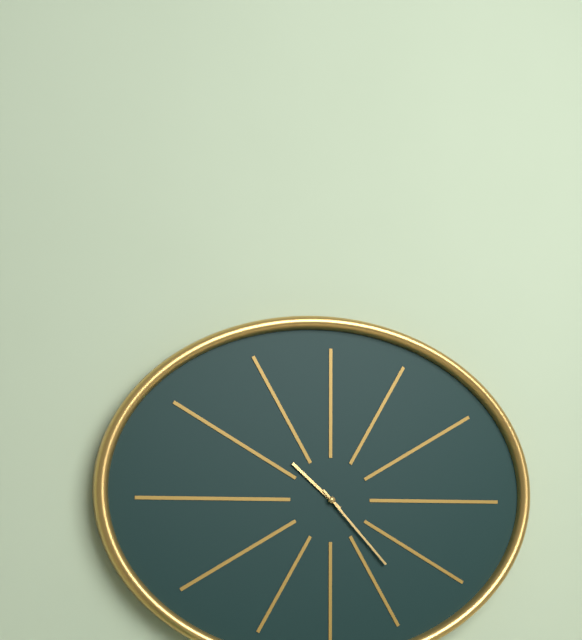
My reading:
**10:23**
